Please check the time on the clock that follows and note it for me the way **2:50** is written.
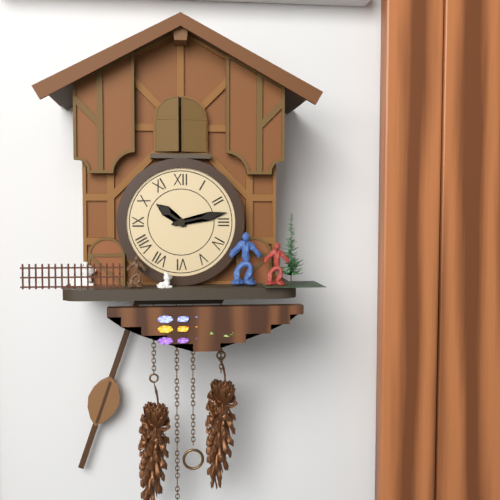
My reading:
**10:13**
